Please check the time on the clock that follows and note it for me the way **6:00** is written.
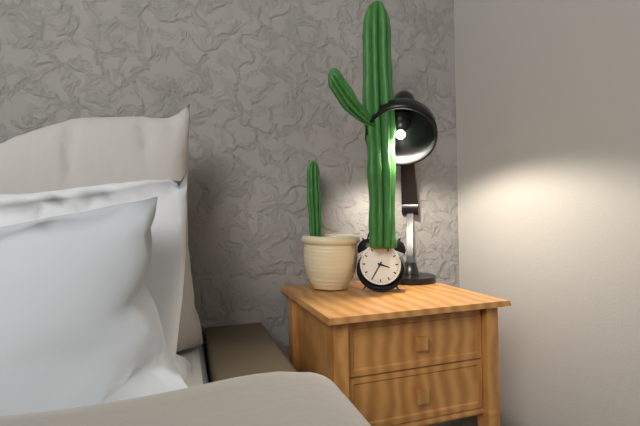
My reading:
**3:35**
